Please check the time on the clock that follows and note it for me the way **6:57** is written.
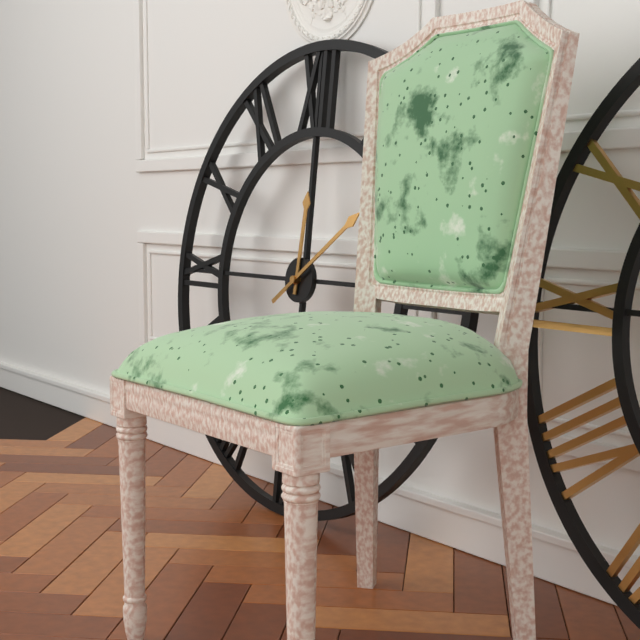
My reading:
**12:09**
